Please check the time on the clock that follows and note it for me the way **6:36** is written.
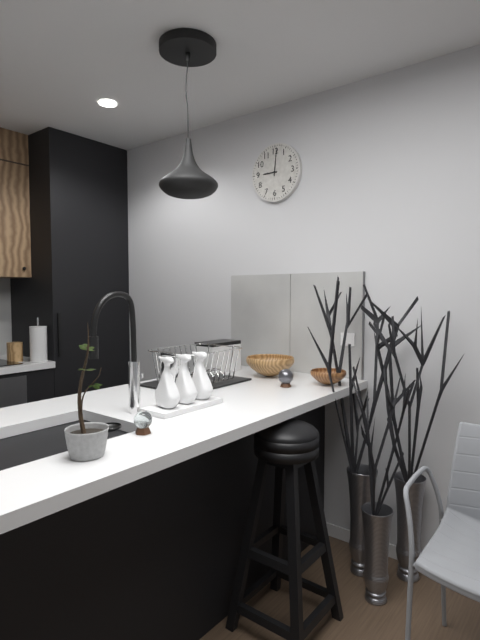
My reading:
**9:01**
